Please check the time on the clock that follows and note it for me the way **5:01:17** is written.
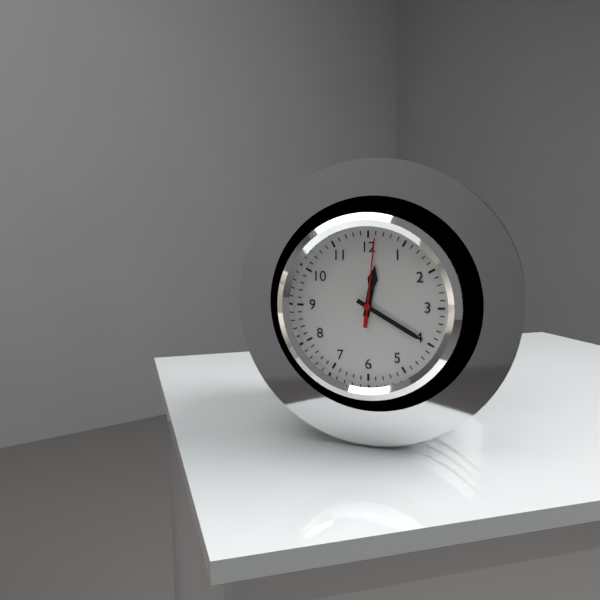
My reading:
**12:20:01**
